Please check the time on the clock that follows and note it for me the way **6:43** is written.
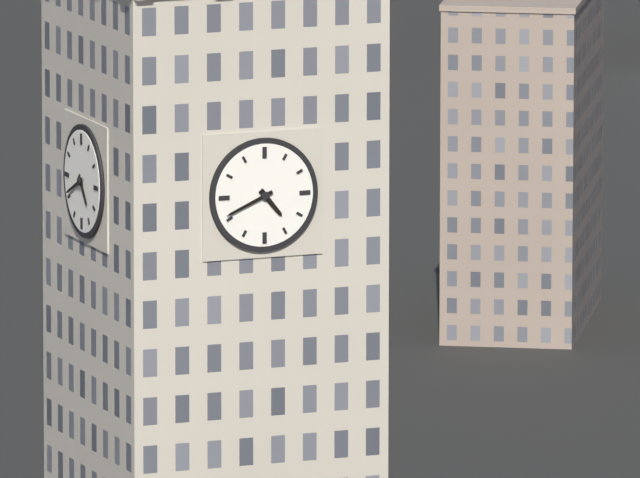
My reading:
**4:41**
